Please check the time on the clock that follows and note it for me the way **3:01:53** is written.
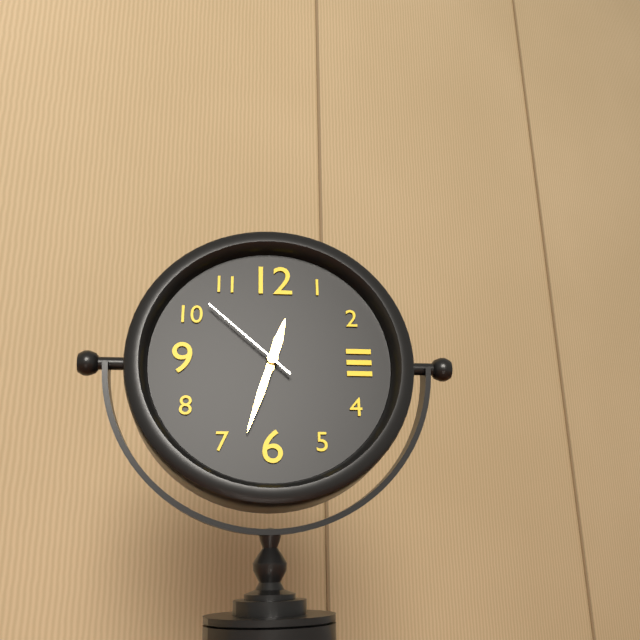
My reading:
**12:33:52**
